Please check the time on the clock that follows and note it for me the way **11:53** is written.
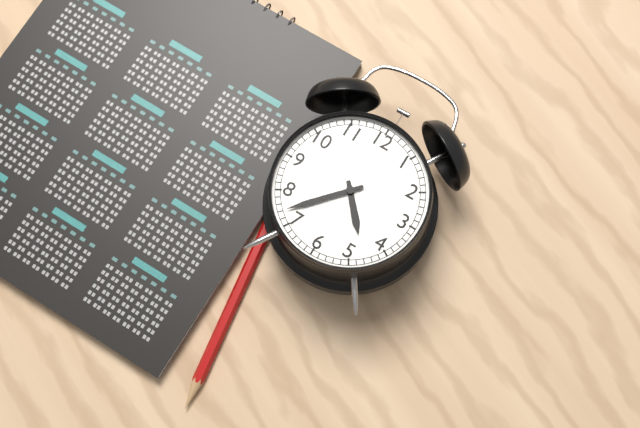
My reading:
**4:37**
